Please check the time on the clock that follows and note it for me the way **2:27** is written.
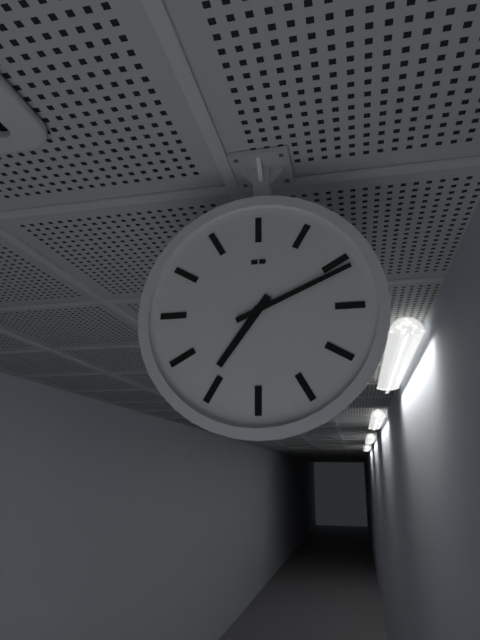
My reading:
**7:11**
